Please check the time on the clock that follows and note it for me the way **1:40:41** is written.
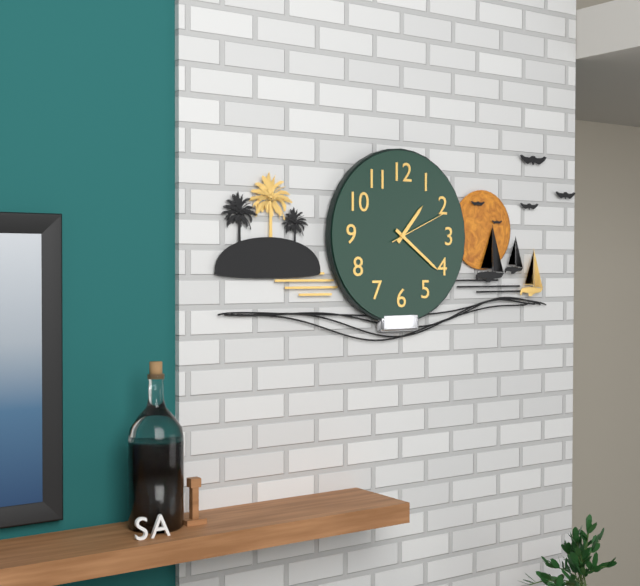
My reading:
**1:21:11**
